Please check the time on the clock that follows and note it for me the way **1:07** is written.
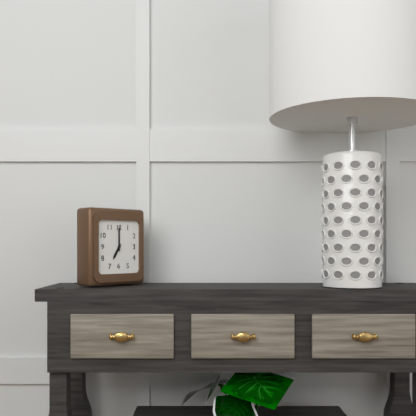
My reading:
**7:00**
